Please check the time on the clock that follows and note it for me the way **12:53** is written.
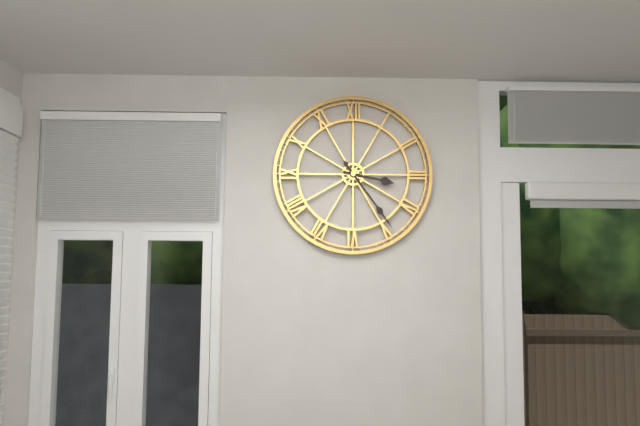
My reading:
**3:24**
